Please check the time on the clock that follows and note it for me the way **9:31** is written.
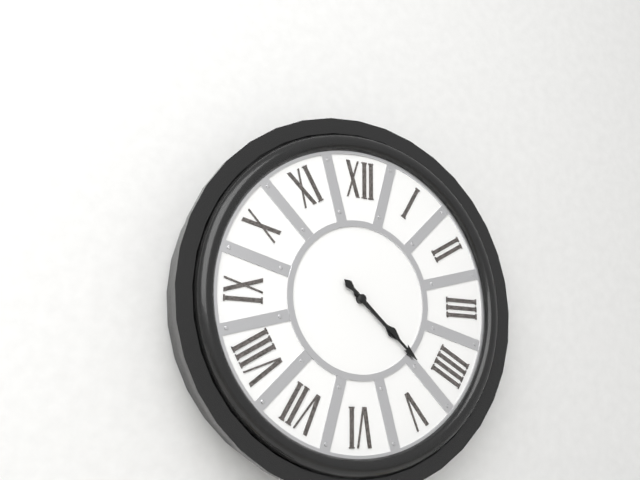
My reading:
**4:22**
